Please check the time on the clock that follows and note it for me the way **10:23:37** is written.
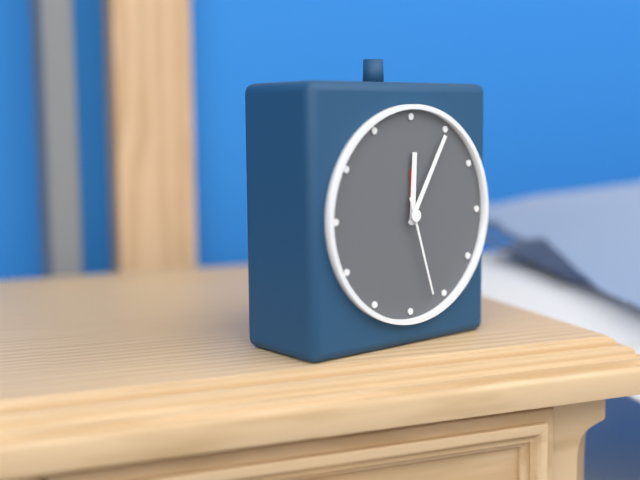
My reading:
**12:05:27**
